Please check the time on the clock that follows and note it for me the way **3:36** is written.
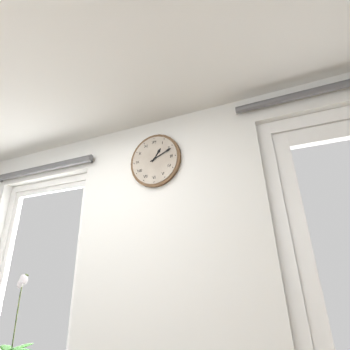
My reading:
**1:11**
